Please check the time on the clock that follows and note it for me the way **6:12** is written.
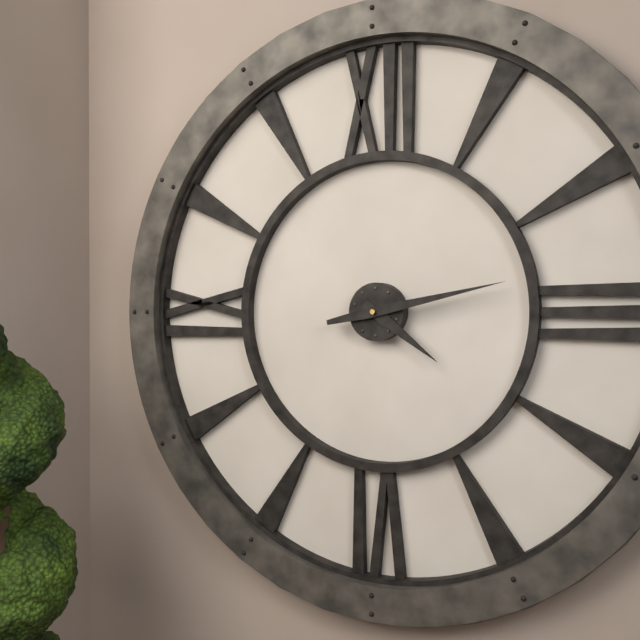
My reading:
**4:13**
